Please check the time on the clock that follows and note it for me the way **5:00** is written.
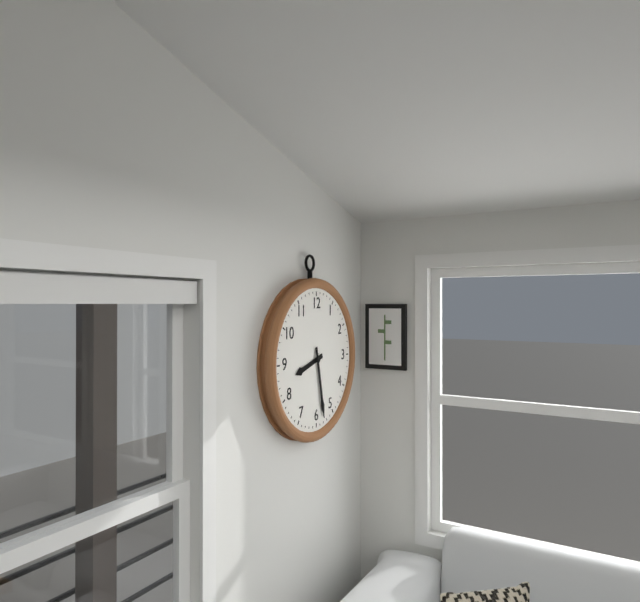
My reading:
**8:28**
